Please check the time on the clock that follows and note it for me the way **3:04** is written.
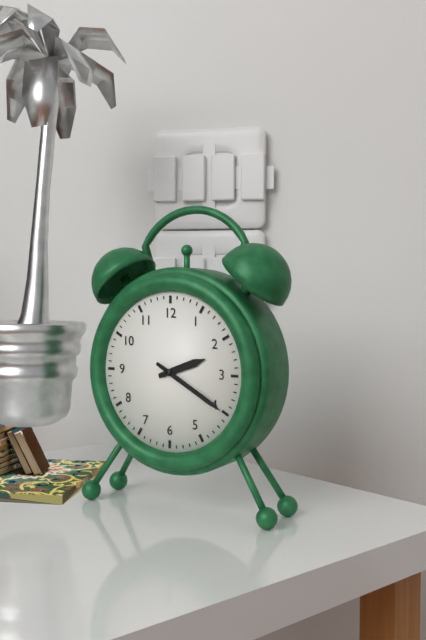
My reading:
**2:20**
